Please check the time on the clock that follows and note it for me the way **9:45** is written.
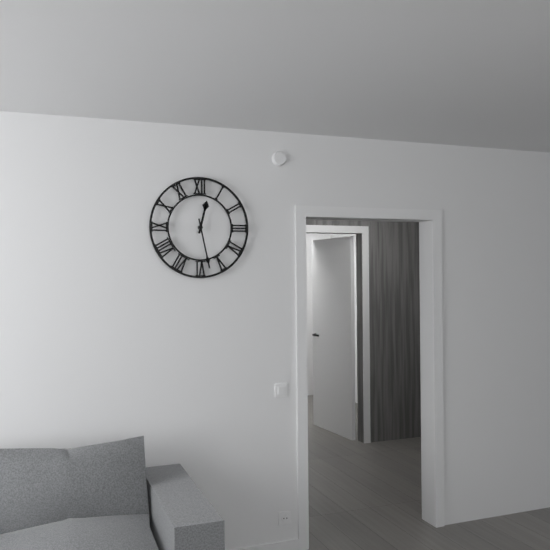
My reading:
**12:28**
